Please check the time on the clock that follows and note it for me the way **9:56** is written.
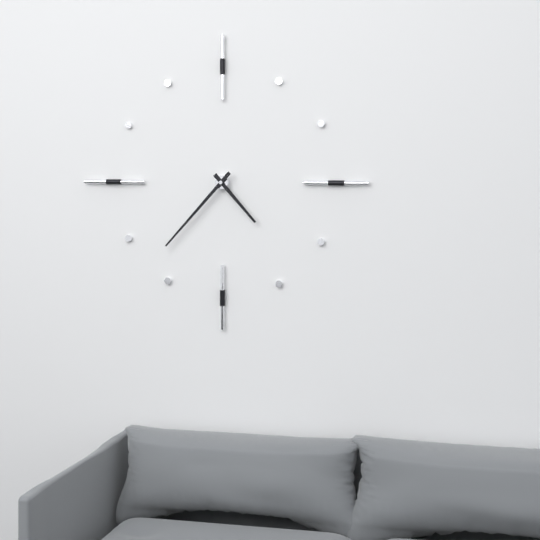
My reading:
**4:37**
